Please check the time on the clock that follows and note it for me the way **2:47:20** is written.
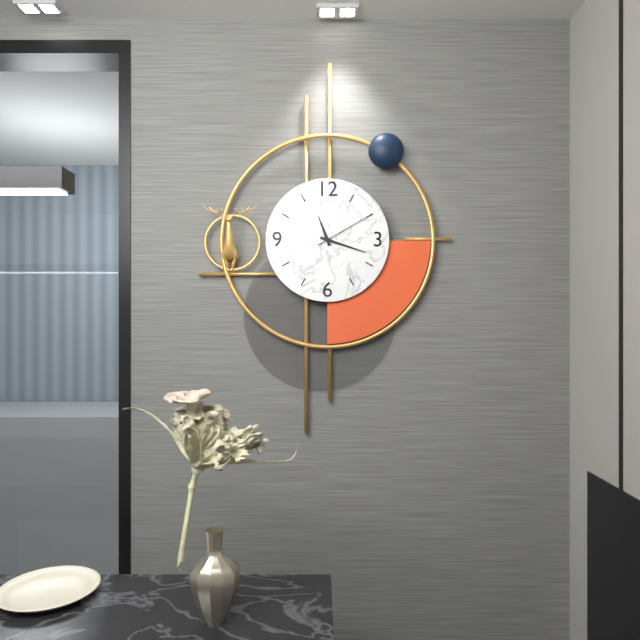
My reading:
**11:18:10**
